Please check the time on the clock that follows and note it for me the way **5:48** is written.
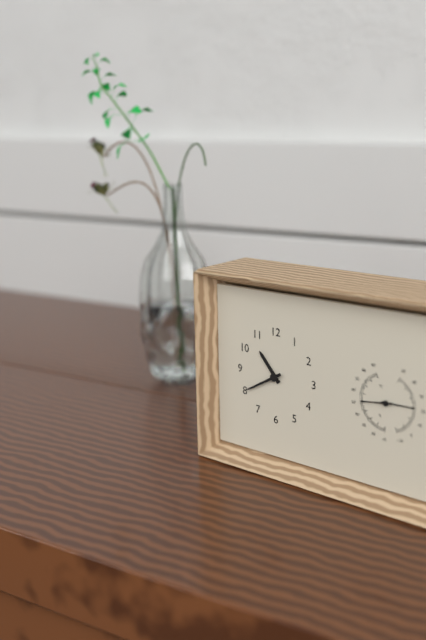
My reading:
**10:40**
